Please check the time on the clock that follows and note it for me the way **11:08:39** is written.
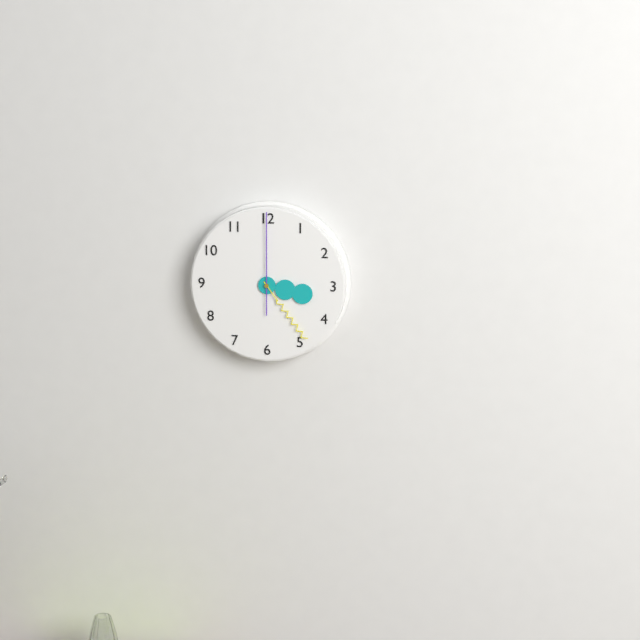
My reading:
**3:24:00**
